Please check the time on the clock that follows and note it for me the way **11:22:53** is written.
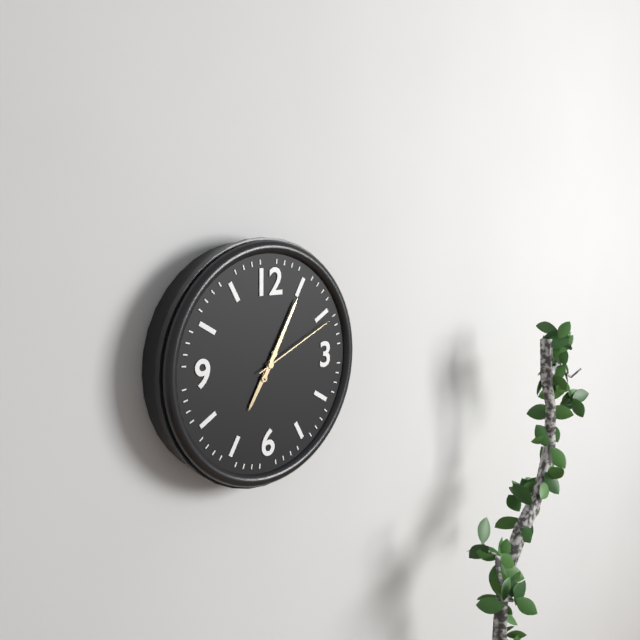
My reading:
**7:05:11**
